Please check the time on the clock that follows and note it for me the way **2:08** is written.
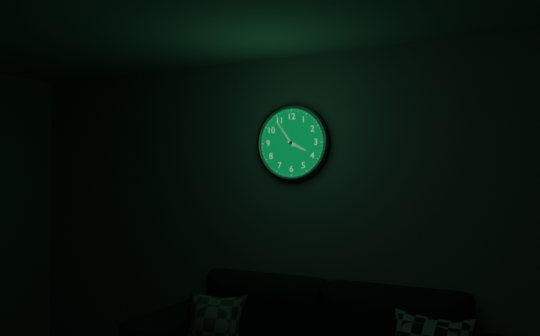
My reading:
**3:54**
